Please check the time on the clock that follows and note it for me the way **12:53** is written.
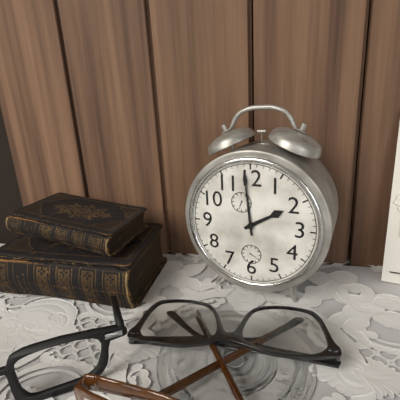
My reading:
**1:59**
